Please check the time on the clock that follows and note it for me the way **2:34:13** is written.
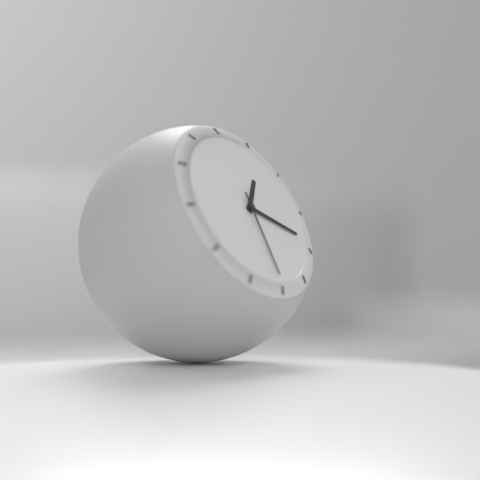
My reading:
**1:19:30**
